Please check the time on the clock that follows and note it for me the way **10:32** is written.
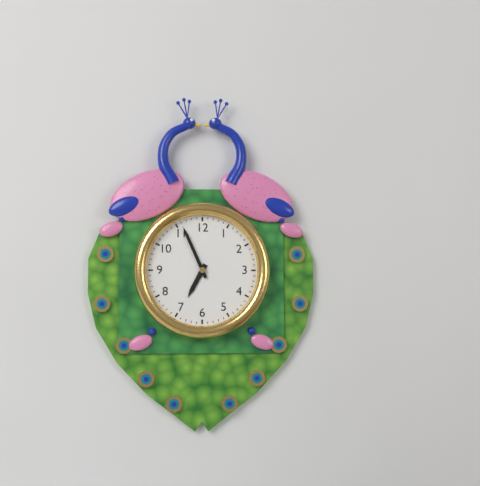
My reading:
**6:56**
